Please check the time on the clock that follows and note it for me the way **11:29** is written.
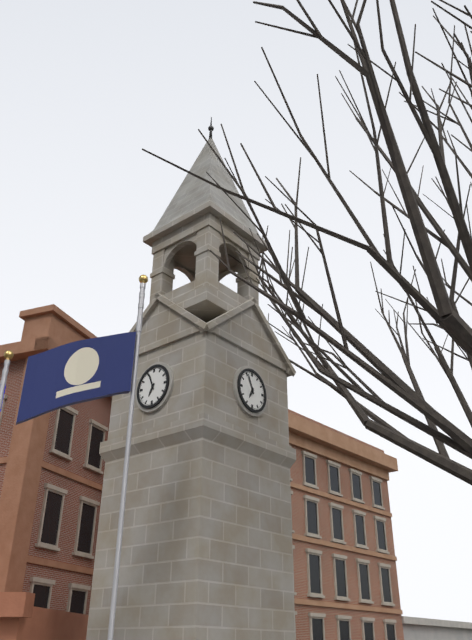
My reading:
**6:56**
